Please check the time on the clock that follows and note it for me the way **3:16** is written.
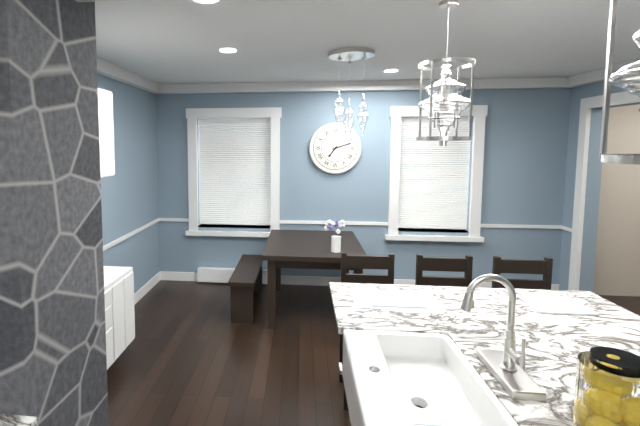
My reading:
**7:12**
